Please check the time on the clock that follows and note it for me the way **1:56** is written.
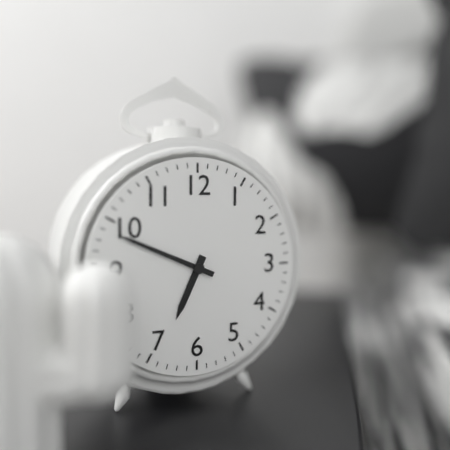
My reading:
**6:49**
